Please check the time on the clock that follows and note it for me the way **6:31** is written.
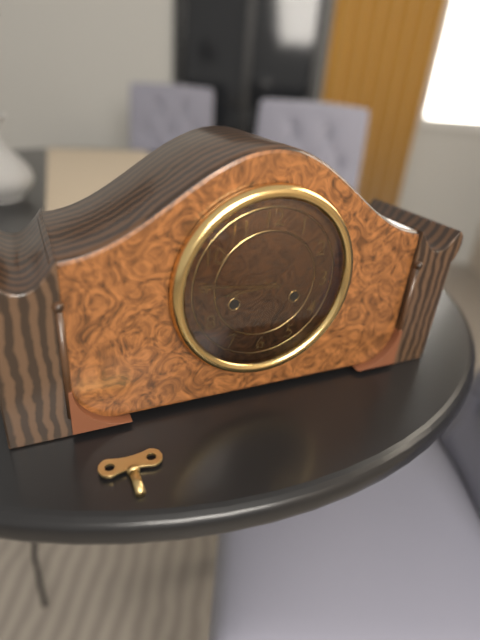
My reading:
**8:46**
